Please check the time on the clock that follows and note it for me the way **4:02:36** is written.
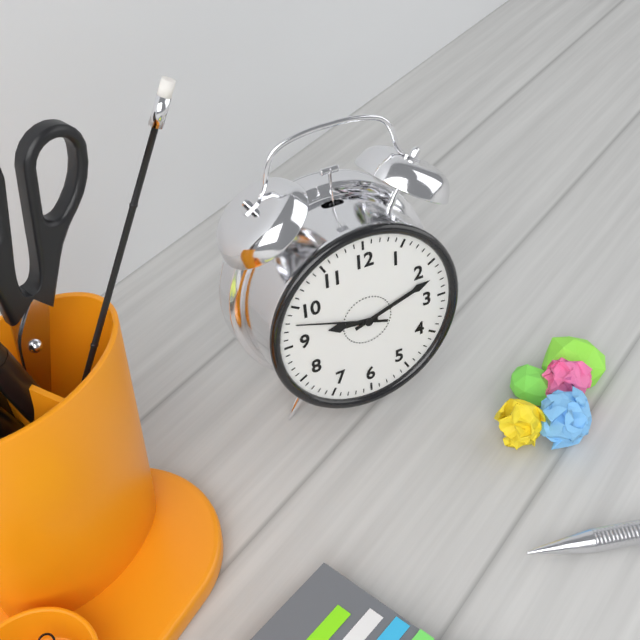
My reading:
**9:12:48**
